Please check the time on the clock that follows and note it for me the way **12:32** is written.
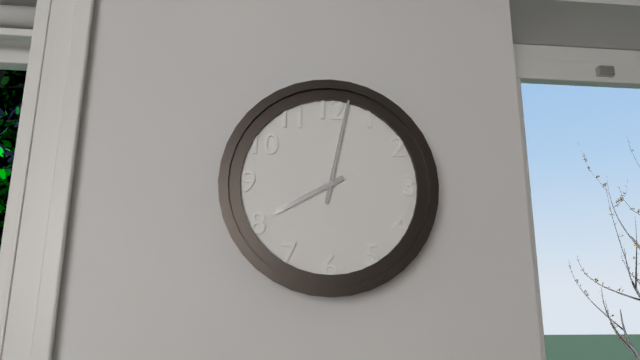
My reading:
**8:02**
